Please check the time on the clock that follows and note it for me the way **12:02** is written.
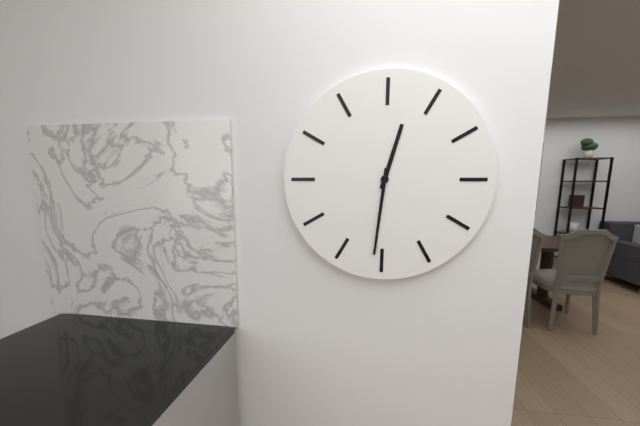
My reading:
**12:31**
